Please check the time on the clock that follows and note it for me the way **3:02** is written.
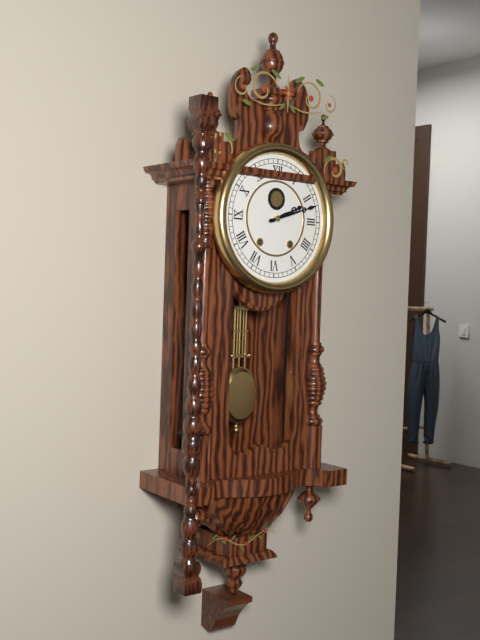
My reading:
**2:12**
